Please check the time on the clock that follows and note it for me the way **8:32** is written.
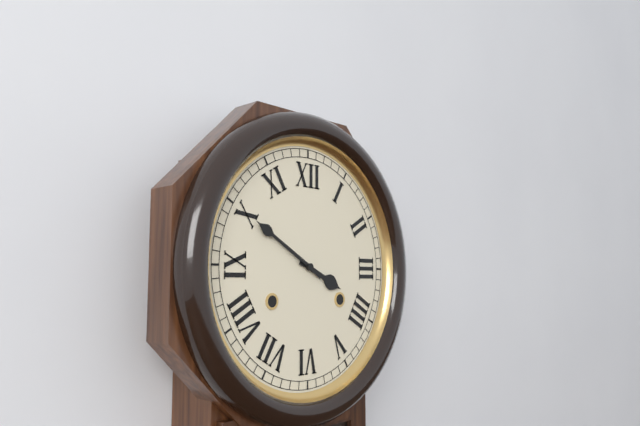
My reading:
**3:50**
